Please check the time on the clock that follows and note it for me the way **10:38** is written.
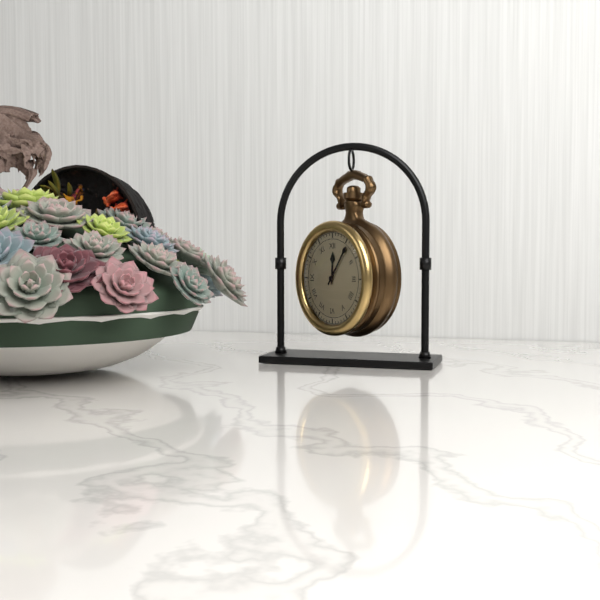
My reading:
**12:06**
